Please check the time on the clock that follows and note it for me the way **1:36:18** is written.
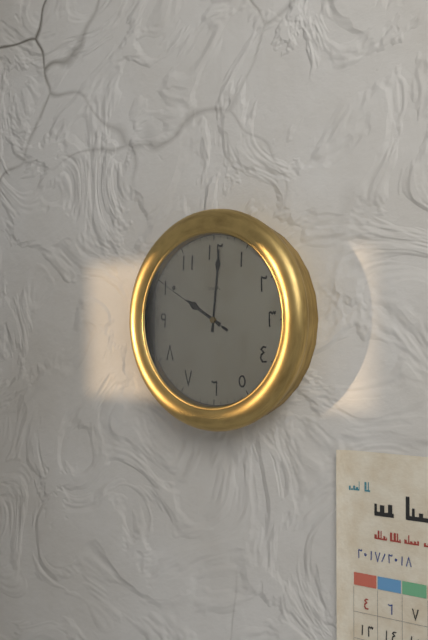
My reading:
**10:01:50**
